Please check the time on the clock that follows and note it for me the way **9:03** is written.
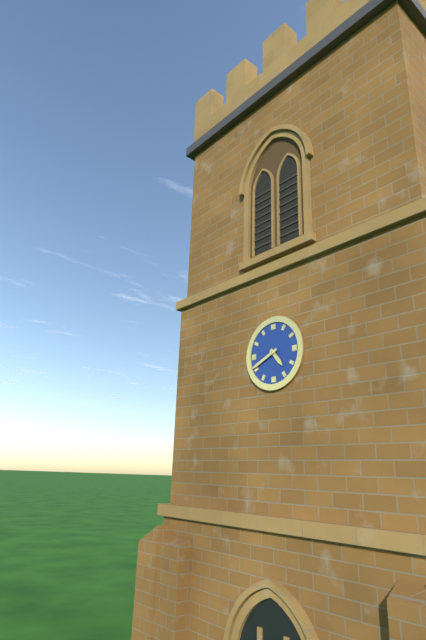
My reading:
**4:41**
